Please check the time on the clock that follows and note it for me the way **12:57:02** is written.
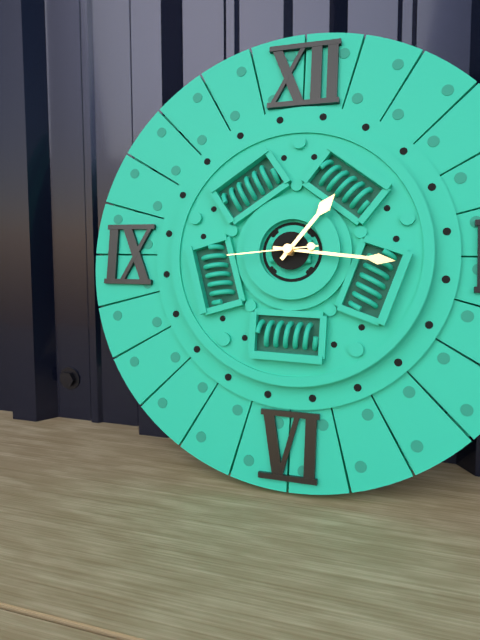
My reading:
**1:16:44**
